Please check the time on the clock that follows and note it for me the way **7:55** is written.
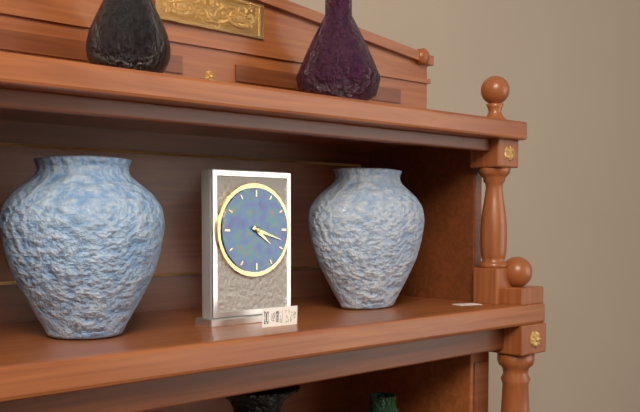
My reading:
**4:18**
